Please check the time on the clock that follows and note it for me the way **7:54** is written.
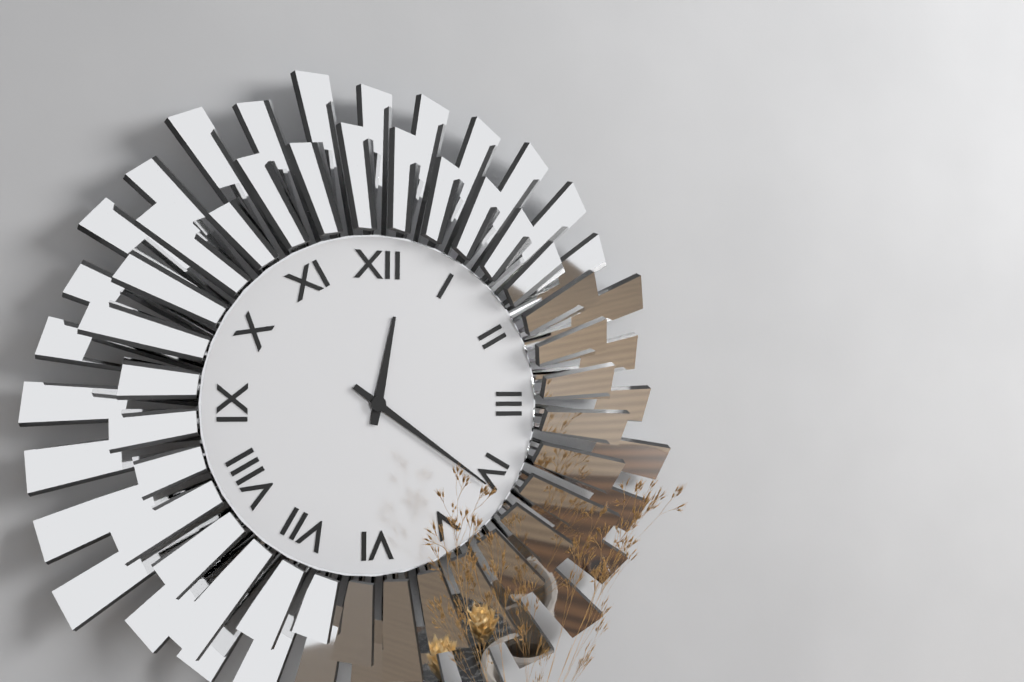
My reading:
**12:21**
